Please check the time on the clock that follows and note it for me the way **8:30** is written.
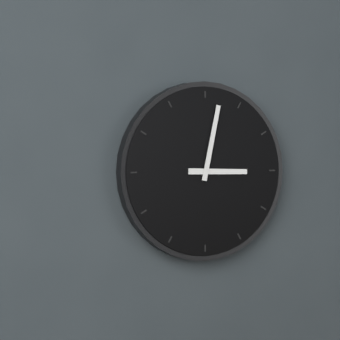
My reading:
**3:02**
